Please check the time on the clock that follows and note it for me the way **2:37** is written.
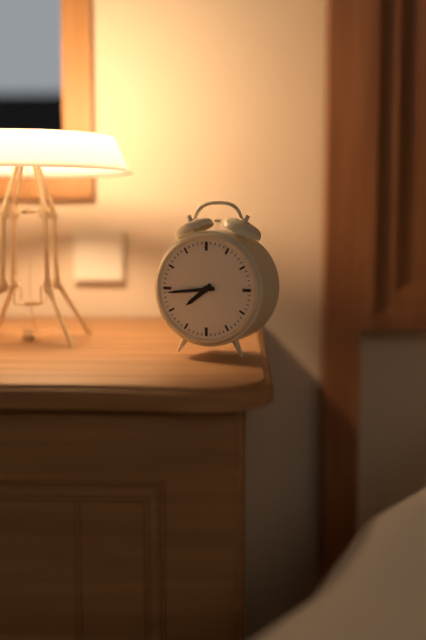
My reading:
**7:44**
